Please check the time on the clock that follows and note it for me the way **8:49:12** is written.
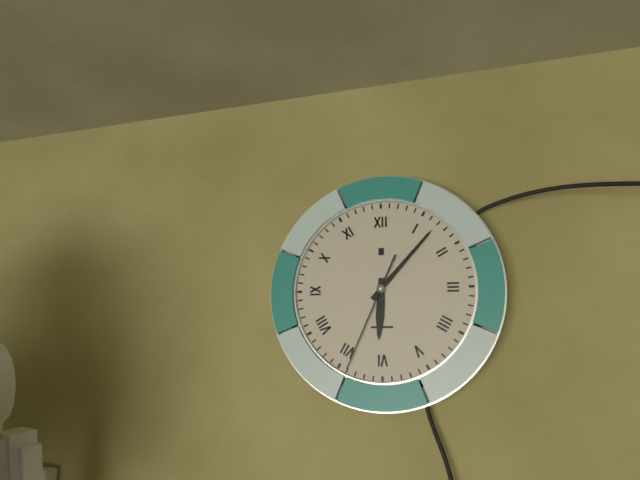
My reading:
**6:07:34**
